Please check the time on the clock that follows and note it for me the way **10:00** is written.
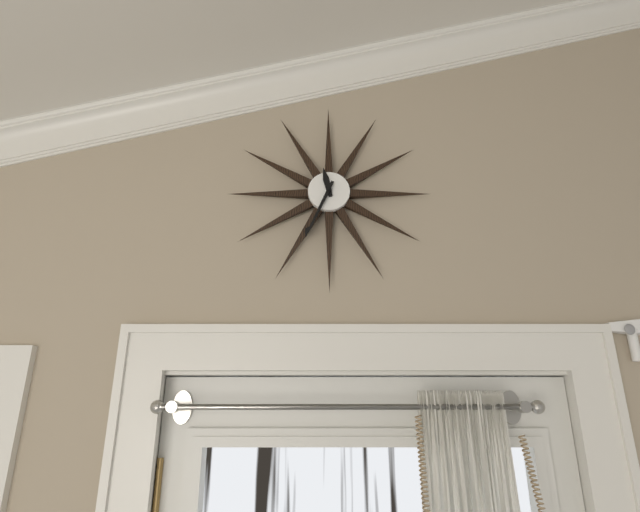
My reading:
**11:34**
